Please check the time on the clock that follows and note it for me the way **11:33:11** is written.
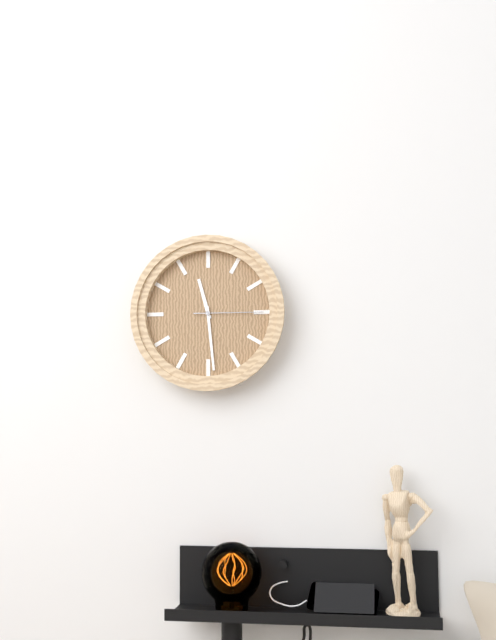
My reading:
**11:29:15**
